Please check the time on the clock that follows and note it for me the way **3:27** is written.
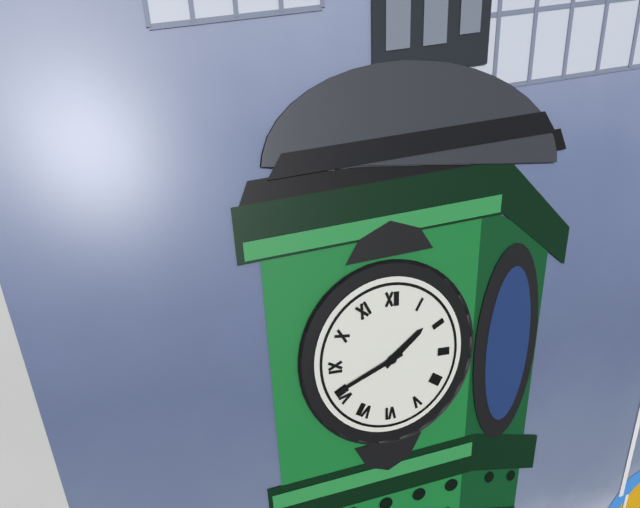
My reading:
**1:41**
